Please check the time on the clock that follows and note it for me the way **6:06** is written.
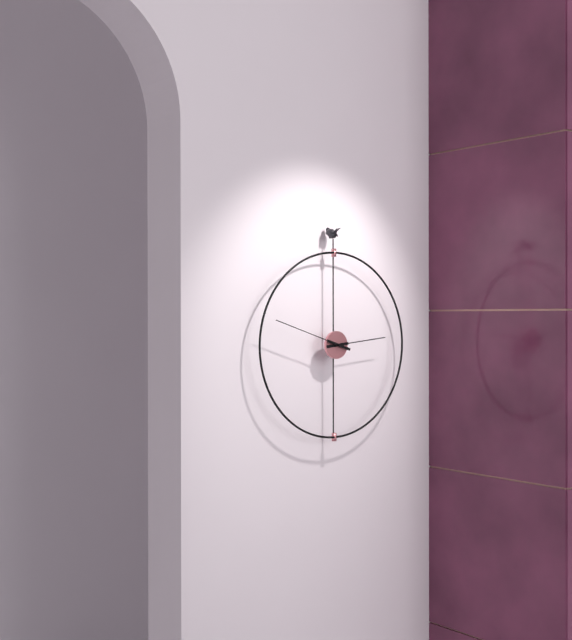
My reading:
**2:48**
